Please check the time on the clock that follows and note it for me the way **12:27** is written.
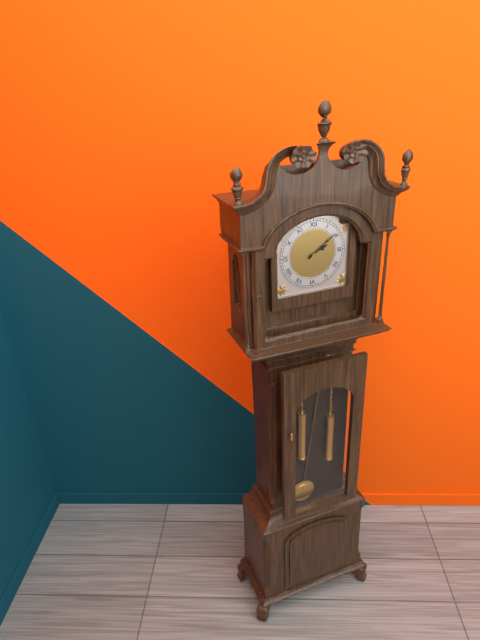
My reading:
**2:09**
